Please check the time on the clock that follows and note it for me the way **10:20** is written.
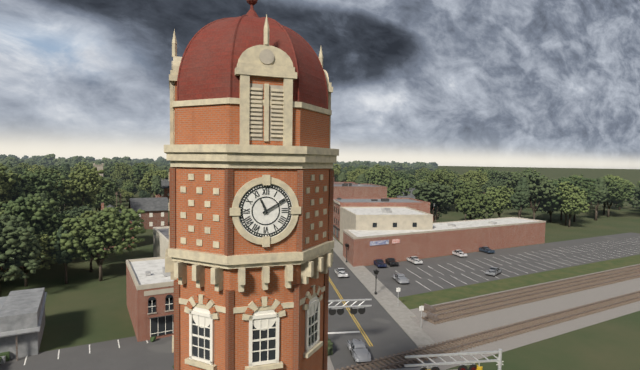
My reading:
**11:10**
